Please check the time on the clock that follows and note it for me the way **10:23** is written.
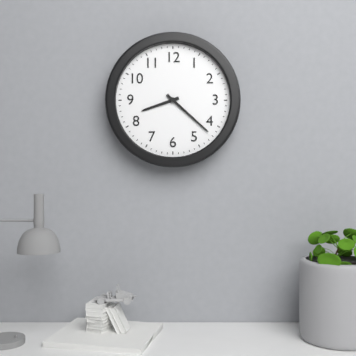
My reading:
**8:22**
